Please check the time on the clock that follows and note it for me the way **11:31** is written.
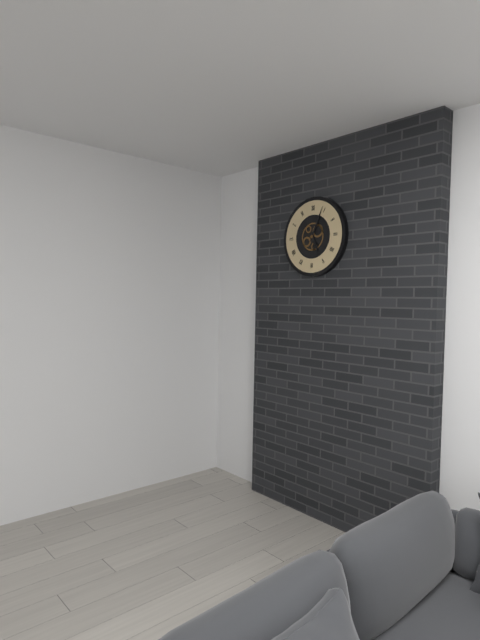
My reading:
**5:04**
